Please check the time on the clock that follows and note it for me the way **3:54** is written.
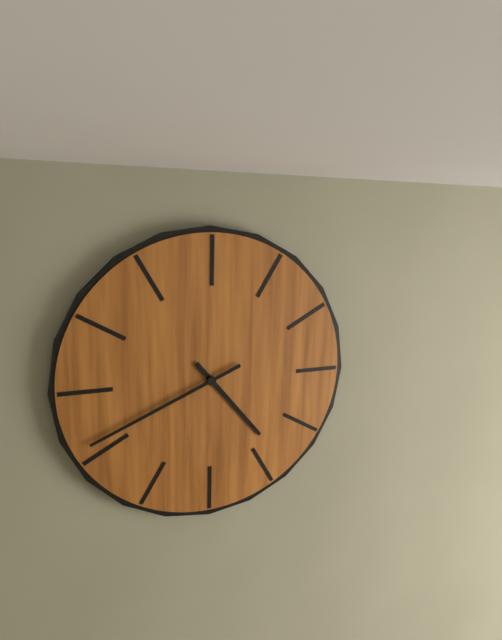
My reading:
**4:41**
